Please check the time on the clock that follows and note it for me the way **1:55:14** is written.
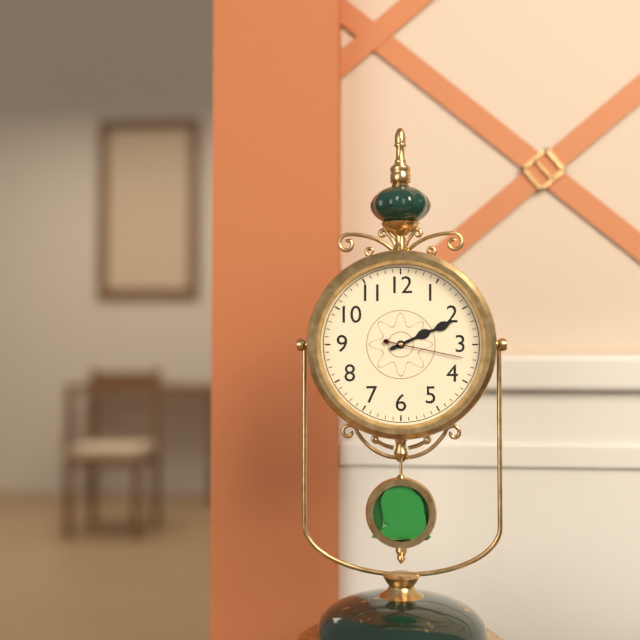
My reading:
**2:11:17**
